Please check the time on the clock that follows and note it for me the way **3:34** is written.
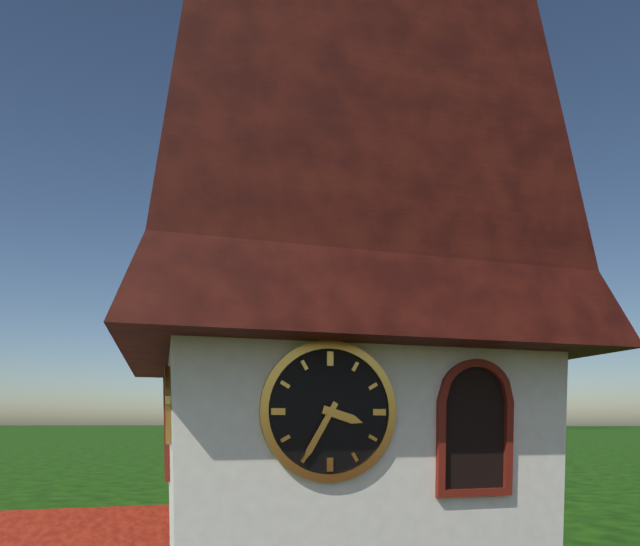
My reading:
**3:35**
